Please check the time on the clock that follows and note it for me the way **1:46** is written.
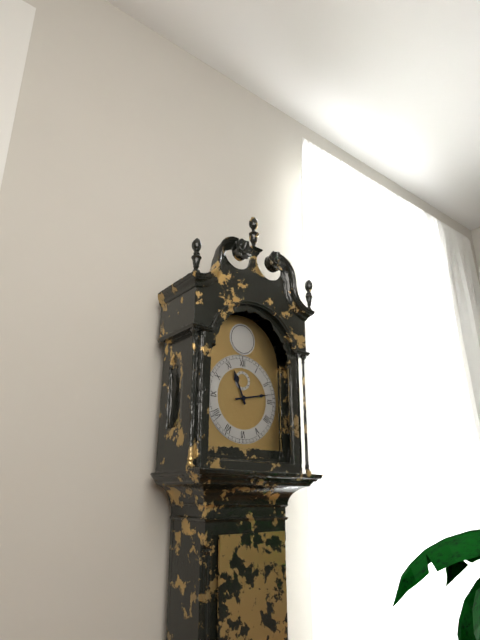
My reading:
**11:13**
